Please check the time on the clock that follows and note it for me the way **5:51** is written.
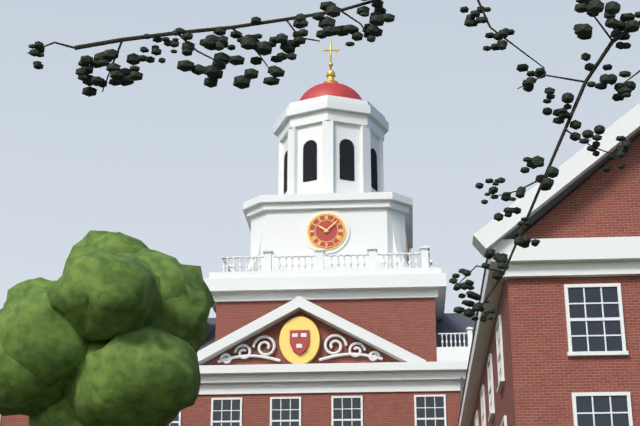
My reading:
**10:08**
